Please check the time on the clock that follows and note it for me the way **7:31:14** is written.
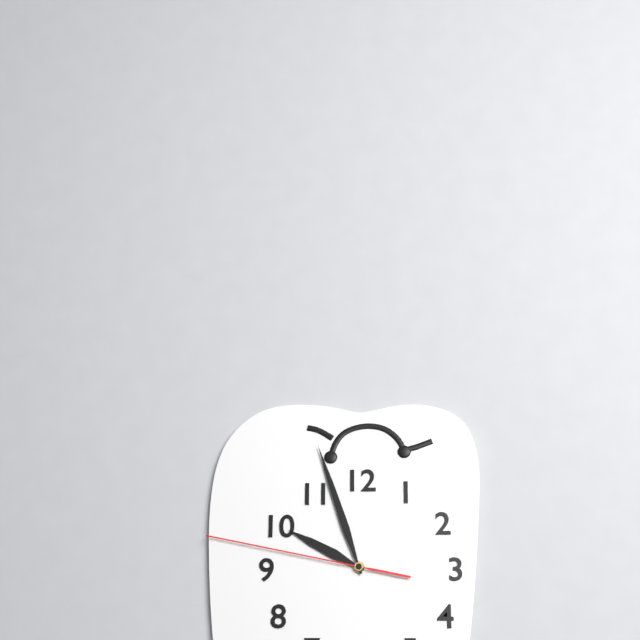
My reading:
**9:57:47**
